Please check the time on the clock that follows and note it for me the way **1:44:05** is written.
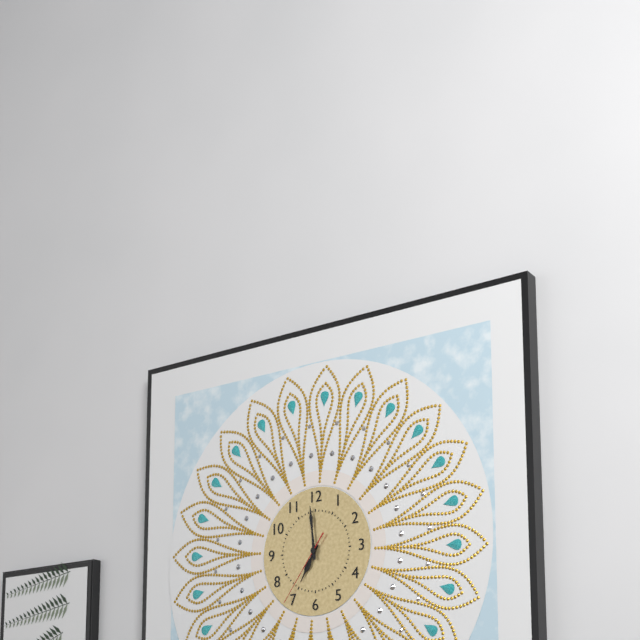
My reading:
**6:59:36**
